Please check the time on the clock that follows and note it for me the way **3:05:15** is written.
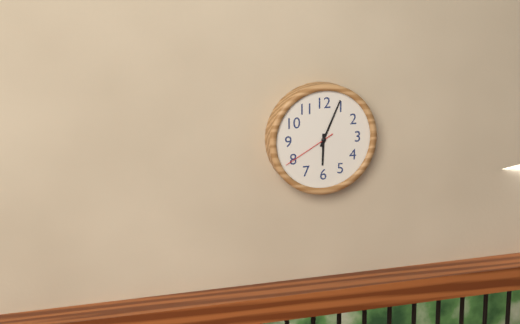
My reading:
**6:04:40**
